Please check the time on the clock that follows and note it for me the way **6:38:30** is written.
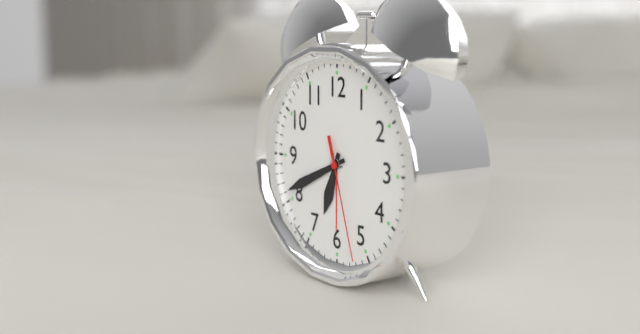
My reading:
**6:41:27**
